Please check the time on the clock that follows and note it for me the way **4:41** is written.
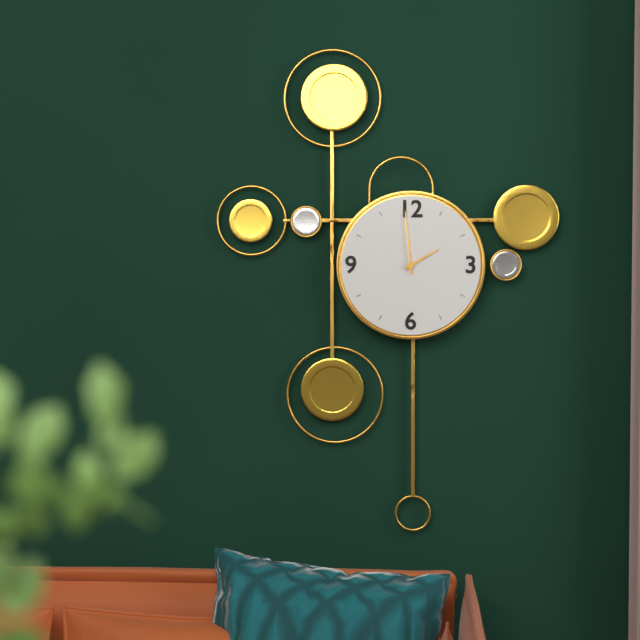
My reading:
**1:59**
